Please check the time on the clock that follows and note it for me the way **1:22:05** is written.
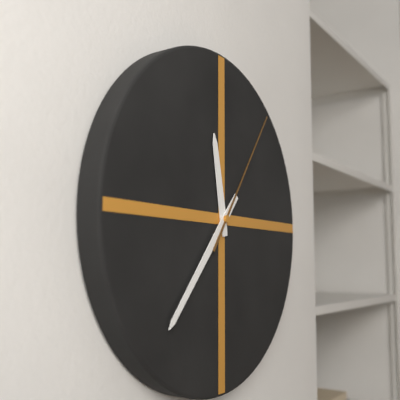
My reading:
**11:37:06**
